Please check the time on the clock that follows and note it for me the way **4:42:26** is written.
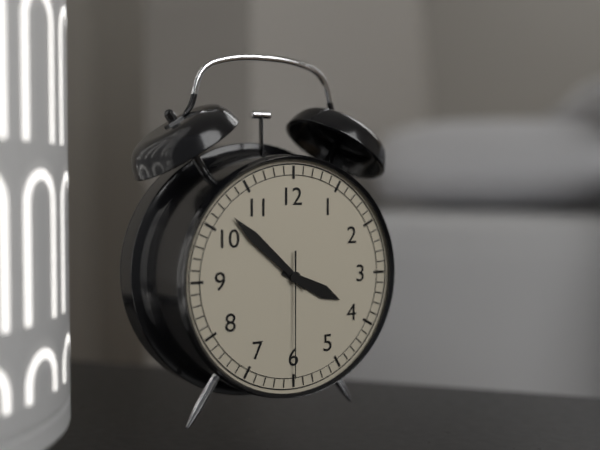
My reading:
**3:52:30**
